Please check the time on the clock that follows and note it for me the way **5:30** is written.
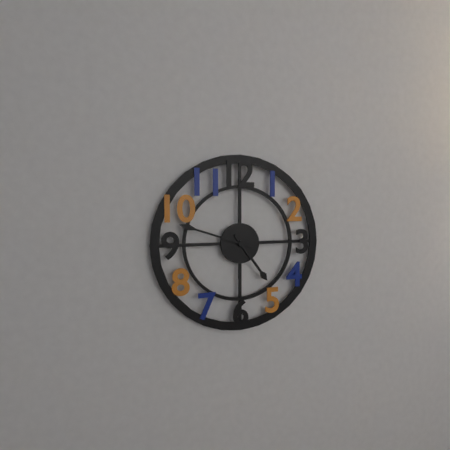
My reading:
**4:48**
